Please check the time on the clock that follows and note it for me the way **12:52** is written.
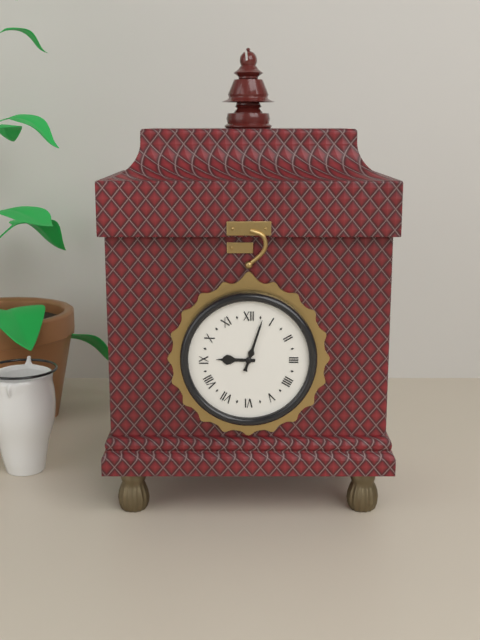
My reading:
**9:03**
